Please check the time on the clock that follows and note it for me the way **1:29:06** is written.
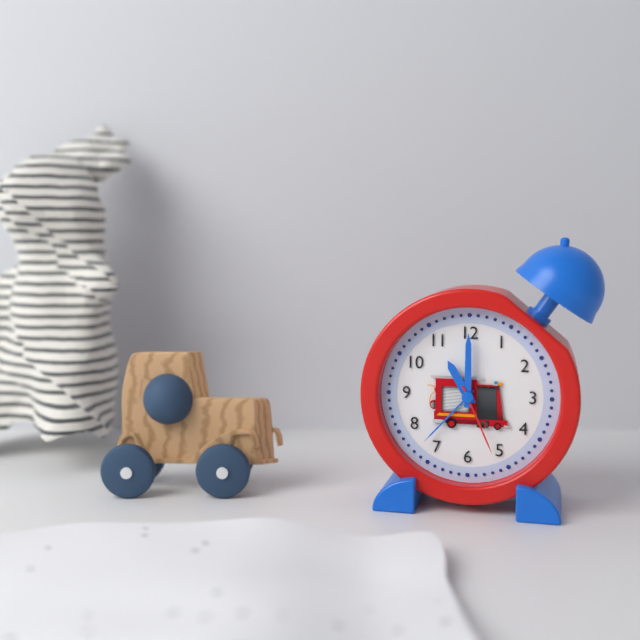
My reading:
**11:00:26**
